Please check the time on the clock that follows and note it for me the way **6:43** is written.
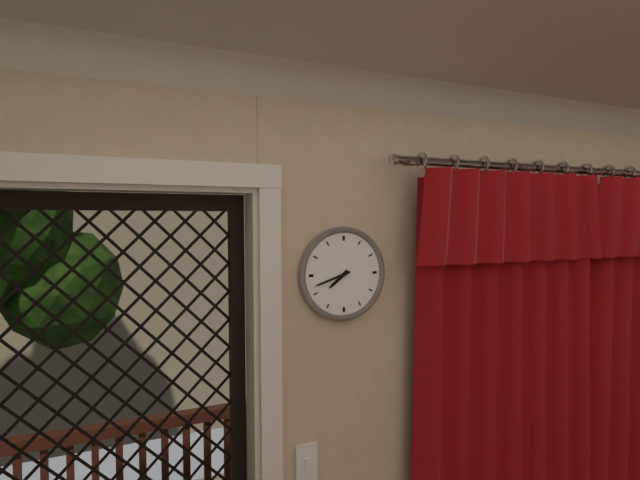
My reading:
**7:42**
